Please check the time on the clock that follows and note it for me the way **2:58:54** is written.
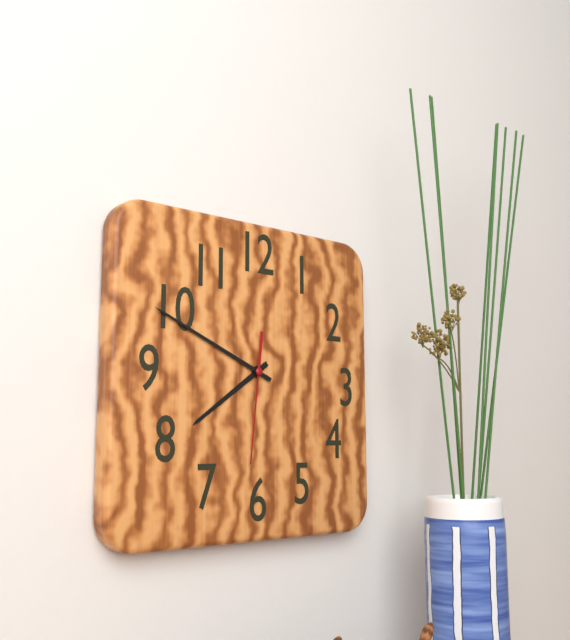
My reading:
**7:49:31**
